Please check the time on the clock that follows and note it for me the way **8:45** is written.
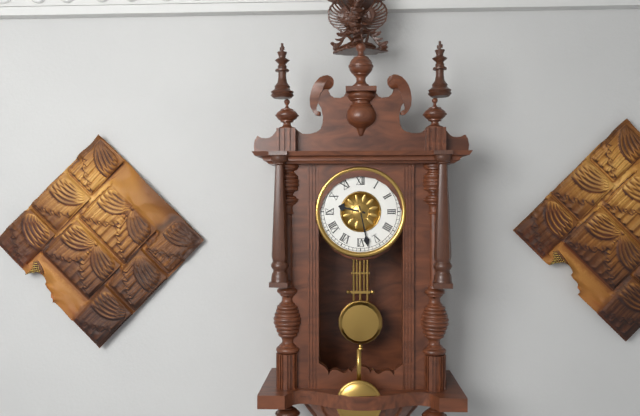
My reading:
**9:28**
